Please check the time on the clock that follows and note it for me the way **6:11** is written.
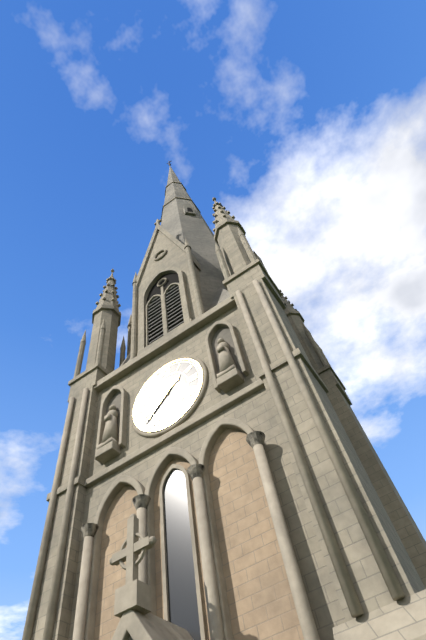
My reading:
**1:38**
